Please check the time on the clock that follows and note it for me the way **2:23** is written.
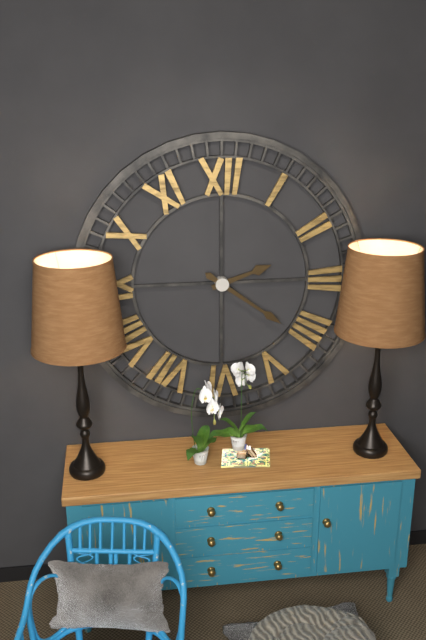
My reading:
**2:21**
